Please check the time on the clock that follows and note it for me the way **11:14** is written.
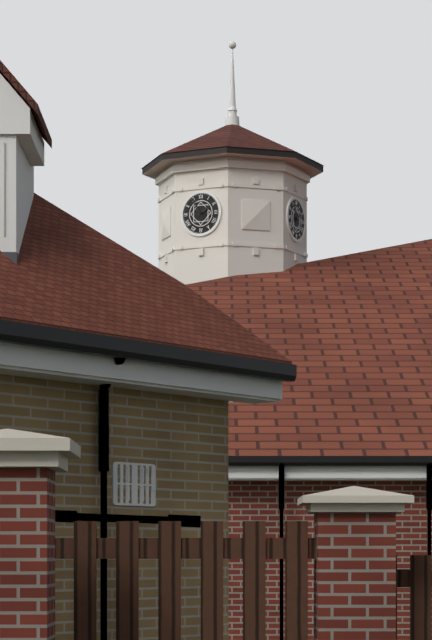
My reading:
**1:55**
